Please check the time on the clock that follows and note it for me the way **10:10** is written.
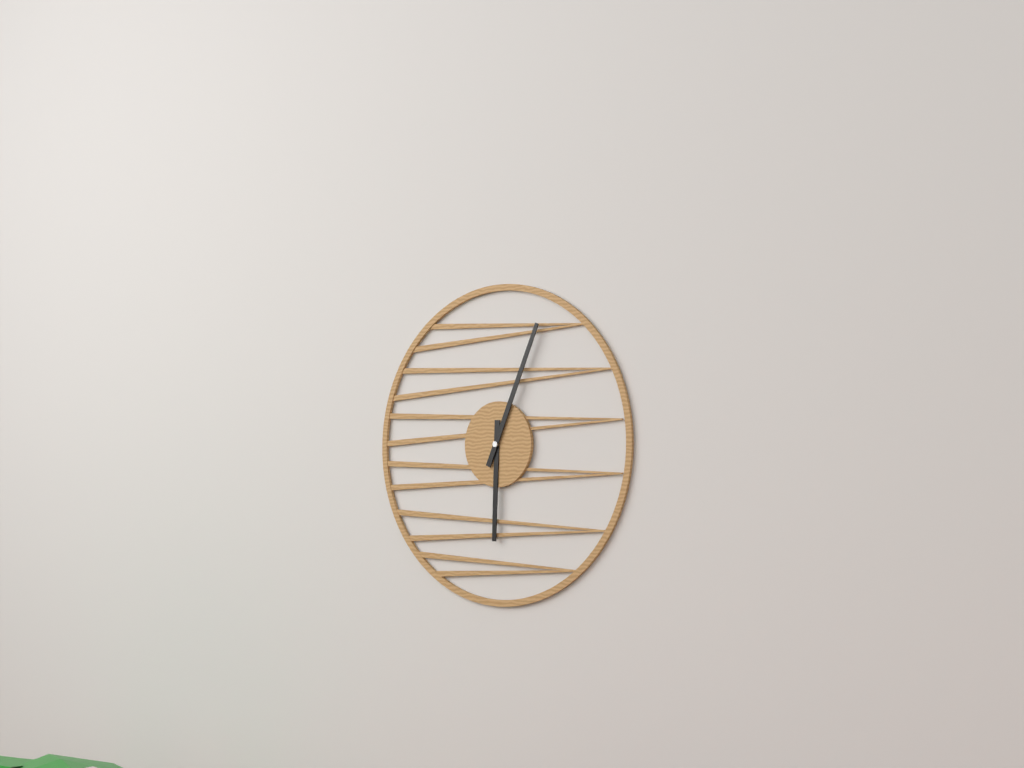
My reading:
**6:04**
